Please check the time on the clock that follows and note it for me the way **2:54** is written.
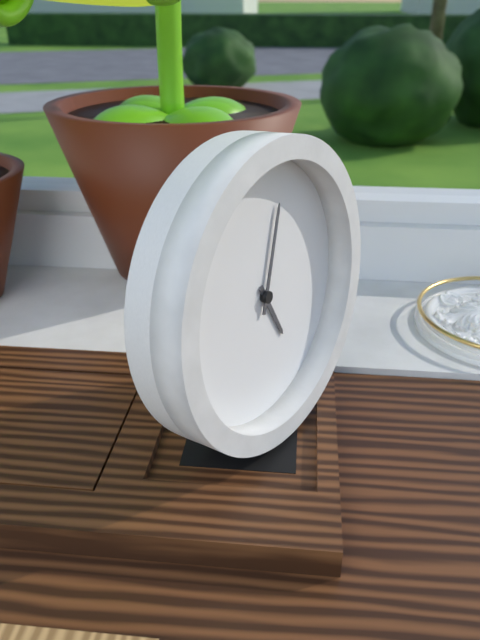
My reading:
**5:03**
